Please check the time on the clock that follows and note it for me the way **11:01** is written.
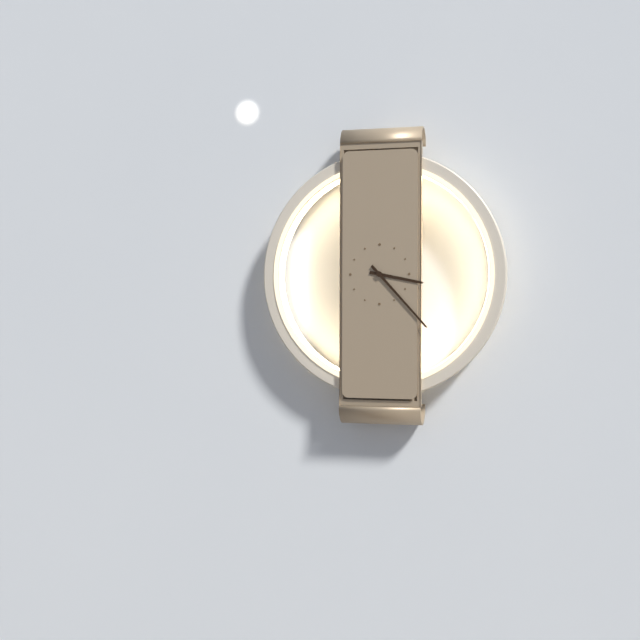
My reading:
**3:23**
